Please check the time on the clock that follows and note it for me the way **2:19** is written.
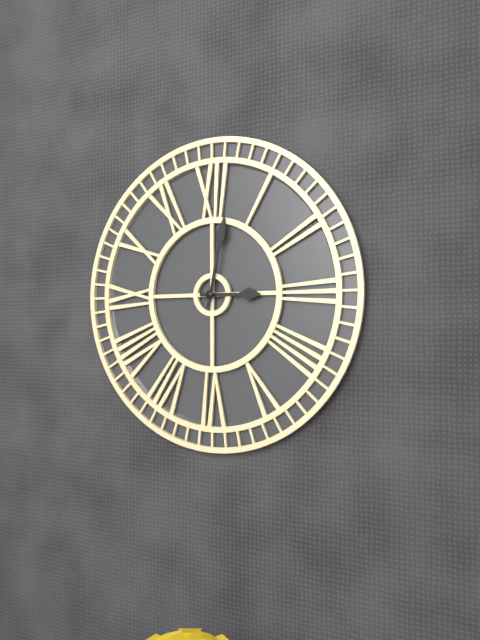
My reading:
**3:02**
